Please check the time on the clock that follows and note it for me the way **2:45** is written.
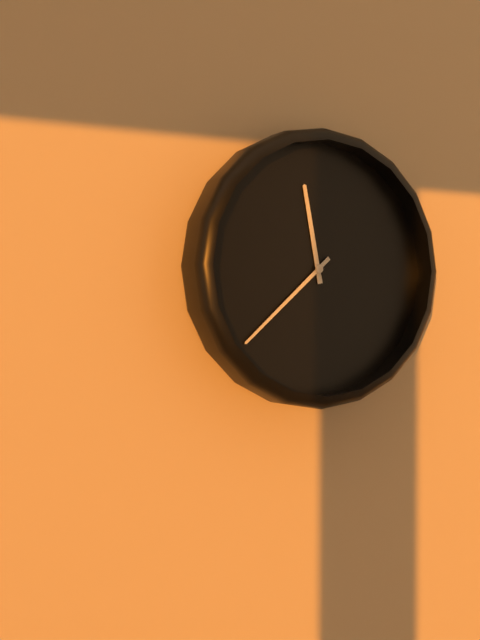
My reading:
**11:38**
